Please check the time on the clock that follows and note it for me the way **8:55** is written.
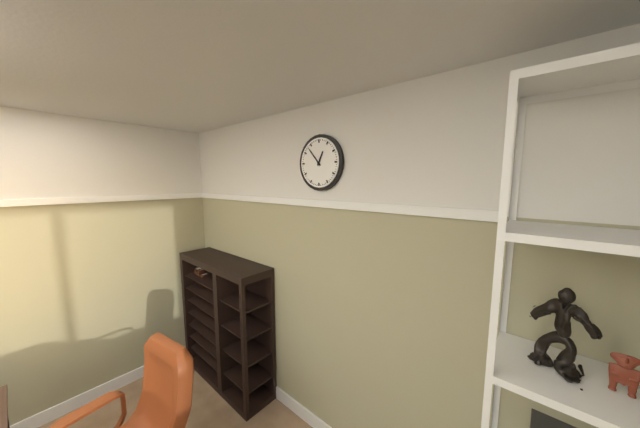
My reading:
**12:53**
